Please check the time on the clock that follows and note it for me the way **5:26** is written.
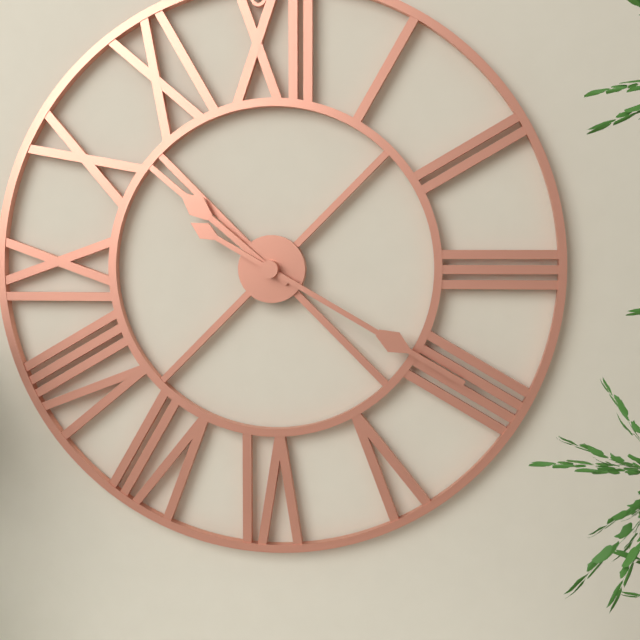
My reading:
**10:20**
